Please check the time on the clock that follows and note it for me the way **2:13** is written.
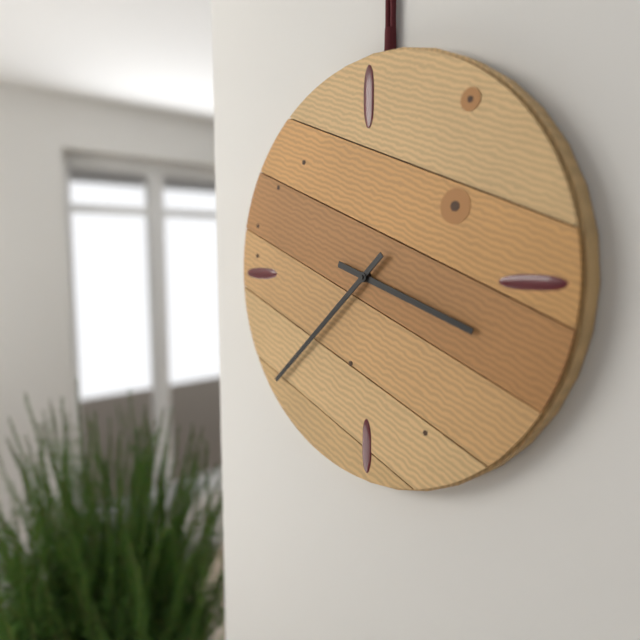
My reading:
**3:38**
